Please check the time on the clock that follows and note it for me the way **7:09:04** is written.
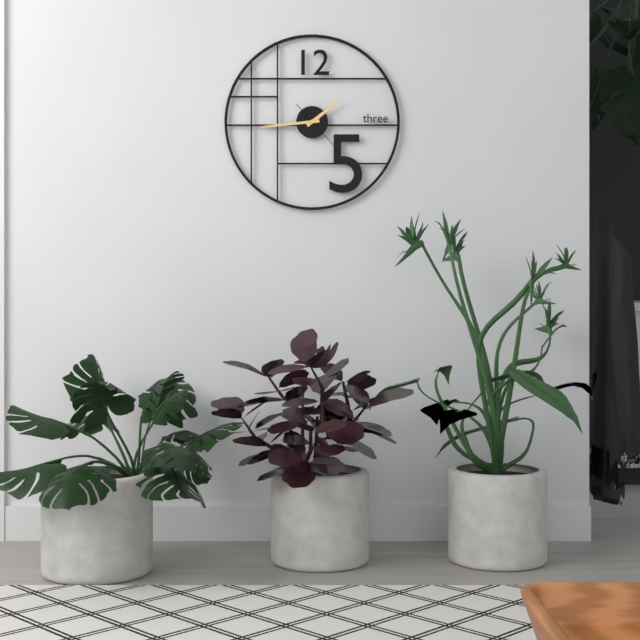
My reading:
**1:44:23**
